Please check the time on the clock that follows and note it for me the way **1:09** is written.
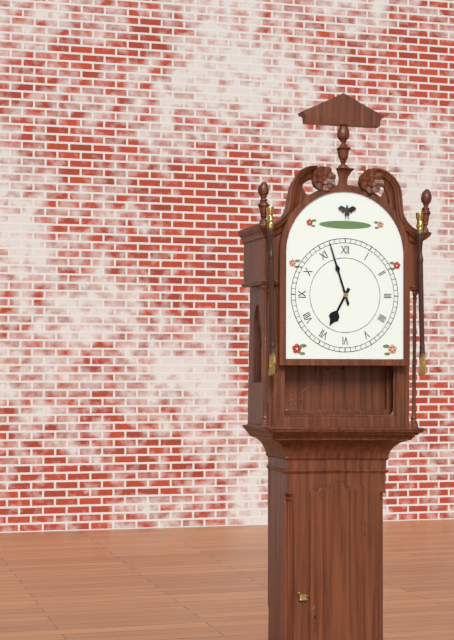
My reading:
**6:57**
